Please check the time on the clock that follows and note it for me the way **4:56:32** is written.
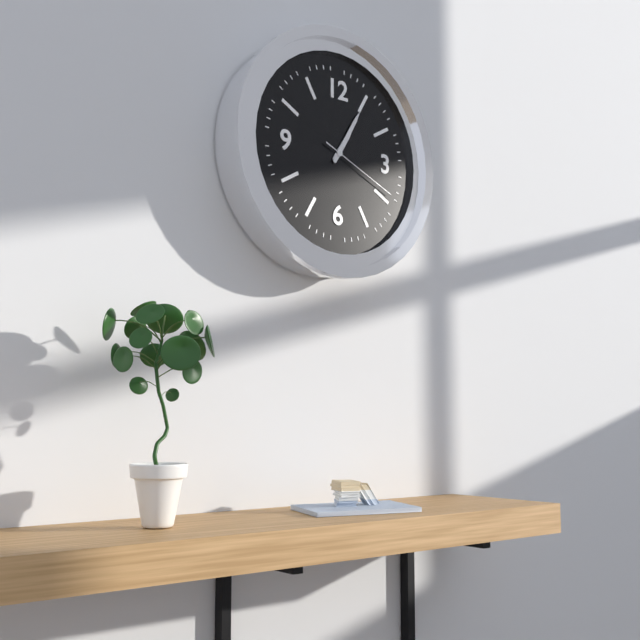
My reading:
**1:05:19**
